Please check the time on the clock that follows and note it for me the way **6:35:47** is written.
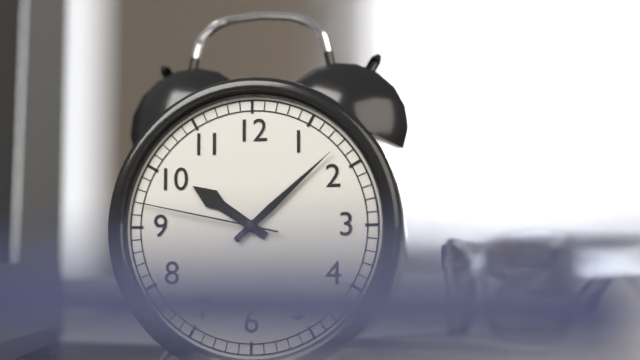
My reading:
**10:08:47**
